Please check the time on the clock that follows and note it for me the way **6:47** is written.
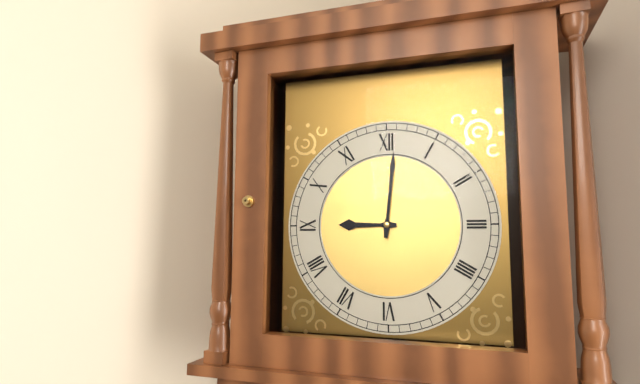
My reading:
**9:01**
